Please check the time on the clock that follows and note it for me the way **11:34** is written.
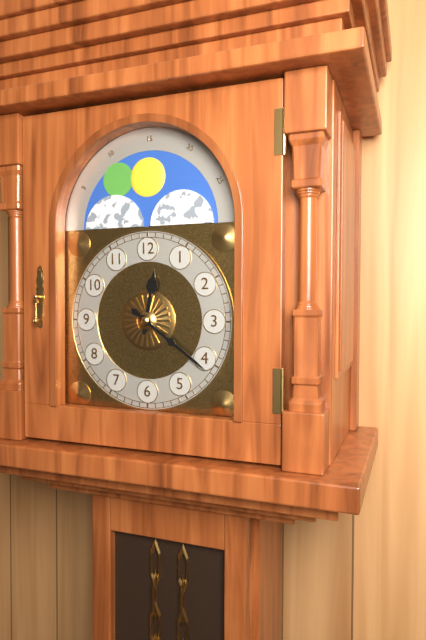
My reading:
**12:21**
